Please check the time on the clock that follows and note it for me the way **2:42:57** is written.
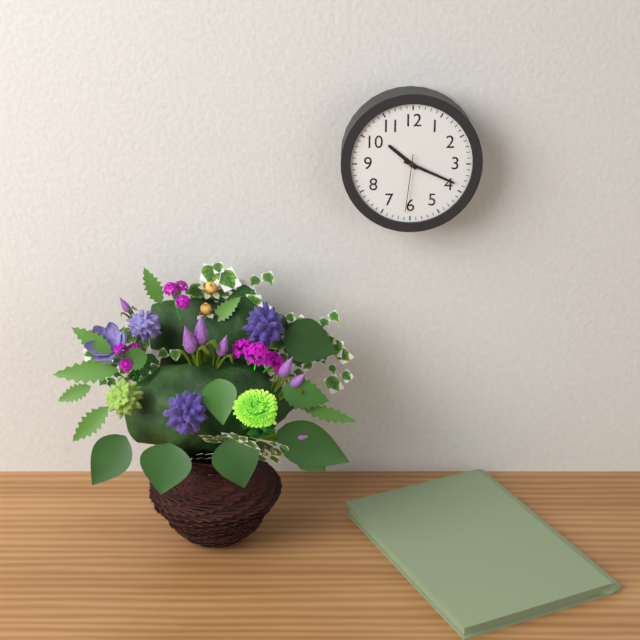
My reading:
**10:19:31**
